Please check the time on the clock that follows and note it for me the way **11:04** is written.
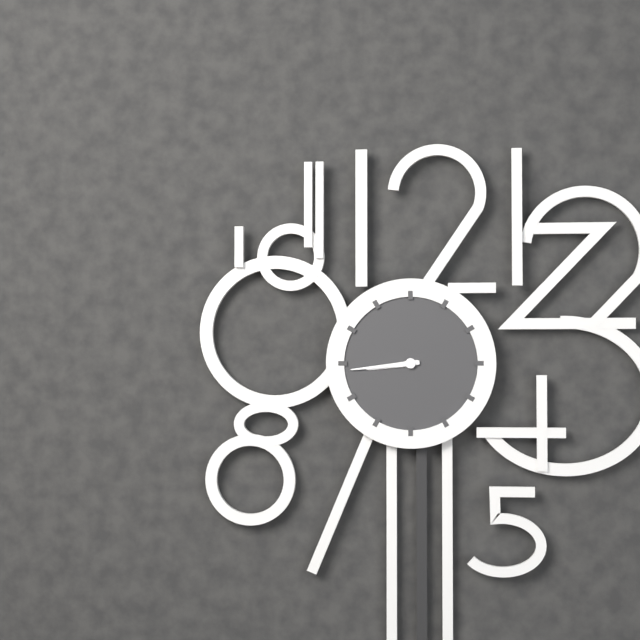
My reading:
**8:44**
